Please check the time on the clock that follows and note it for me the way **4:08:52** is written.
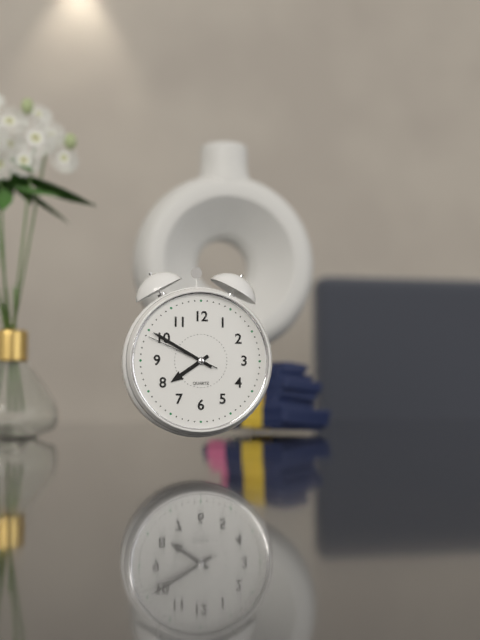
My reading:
**7:50:49**
